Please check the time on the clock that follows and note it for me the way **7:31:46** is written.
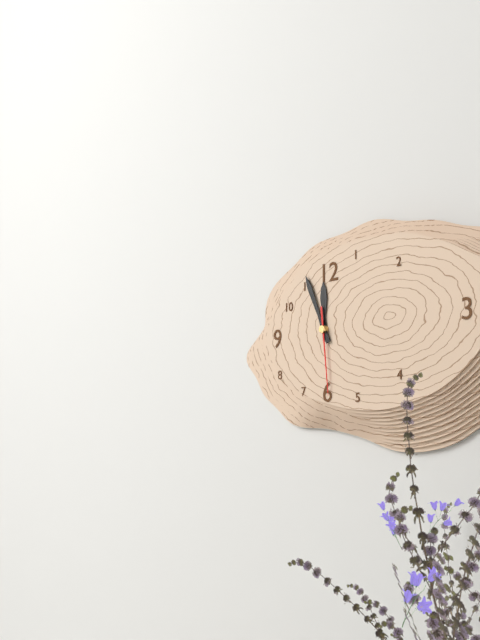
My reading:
**11:56:29**
